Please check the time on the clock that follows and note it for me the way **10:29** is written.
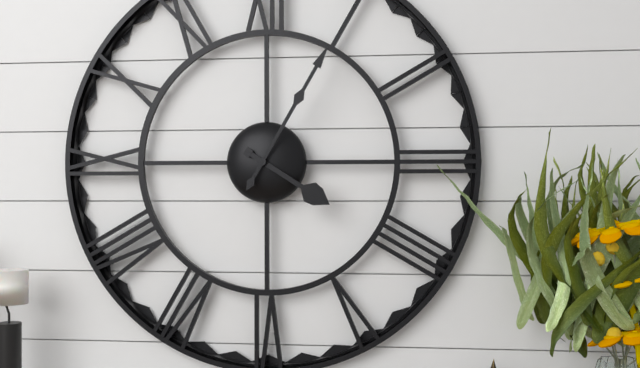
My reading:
**4:05**
